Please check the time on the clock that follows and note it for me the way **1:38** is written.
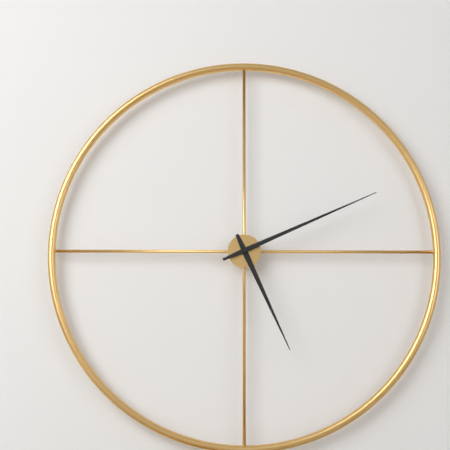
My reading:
**5:11**
